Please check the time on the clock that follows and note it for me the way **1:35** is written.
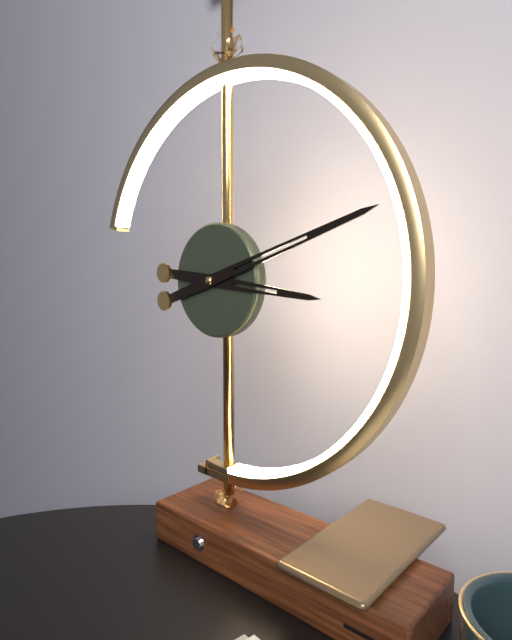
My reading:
**3:12**
